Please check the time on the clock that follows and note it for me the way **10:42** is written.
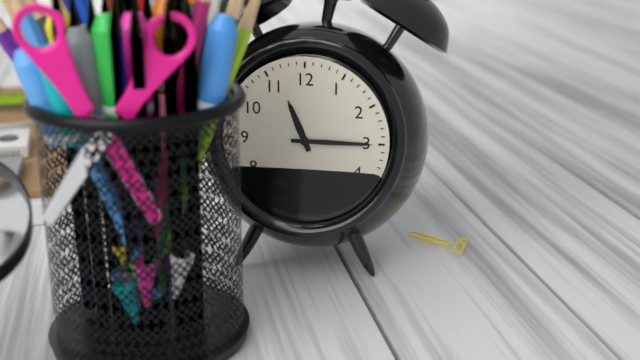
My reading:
**11:15**
